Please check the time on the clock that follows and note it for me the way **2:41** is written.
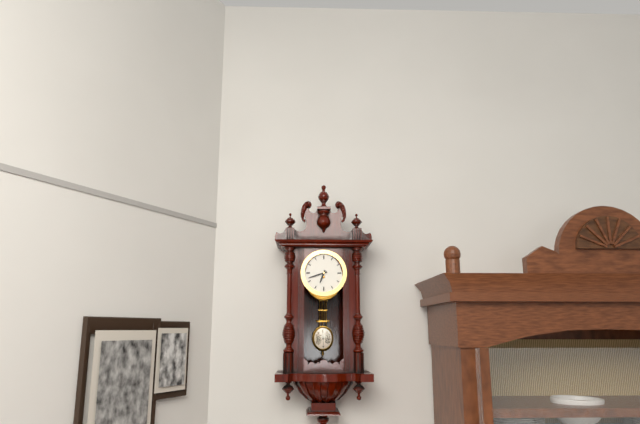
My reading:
**6:42**
